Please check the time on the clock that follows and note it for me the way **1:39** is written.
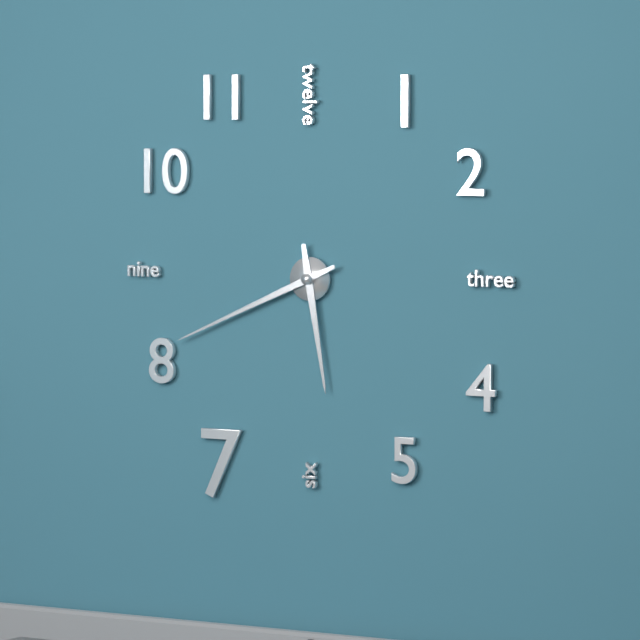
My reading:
**5:41**
